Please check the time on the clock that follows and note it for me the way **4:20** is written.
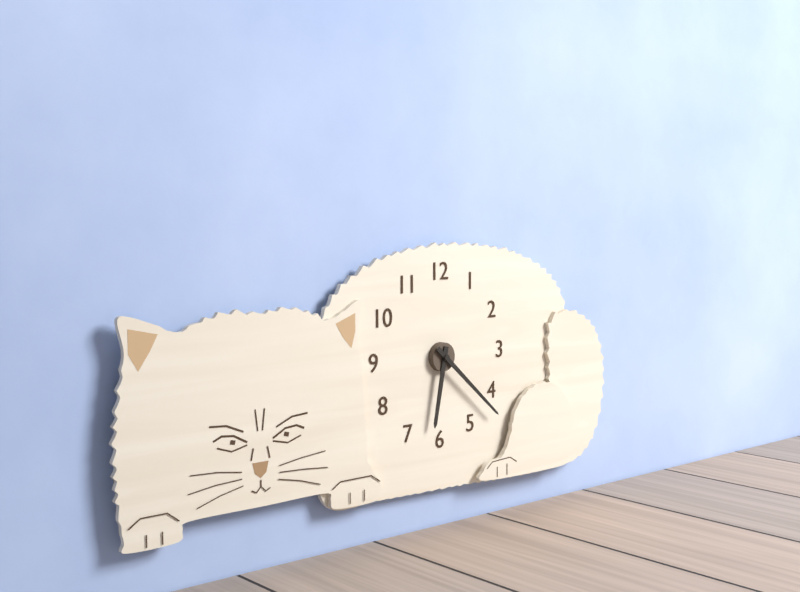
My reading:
**6:22**
